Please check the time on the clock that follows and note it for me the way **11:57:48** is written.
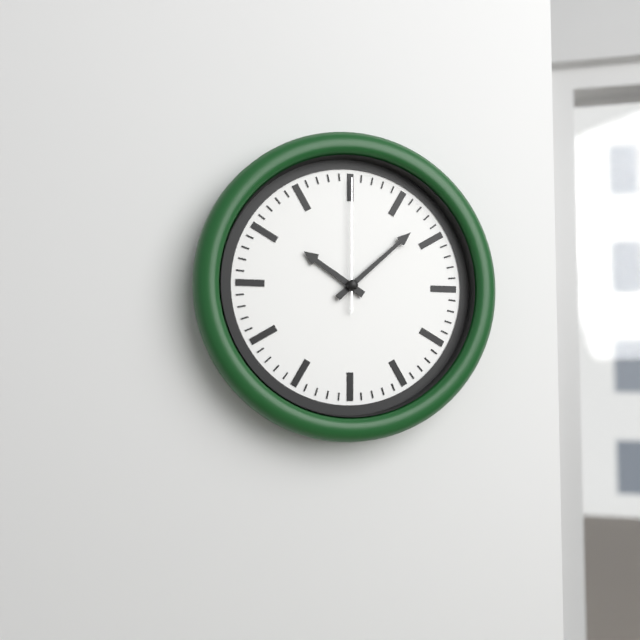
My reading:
**10:08:00**
